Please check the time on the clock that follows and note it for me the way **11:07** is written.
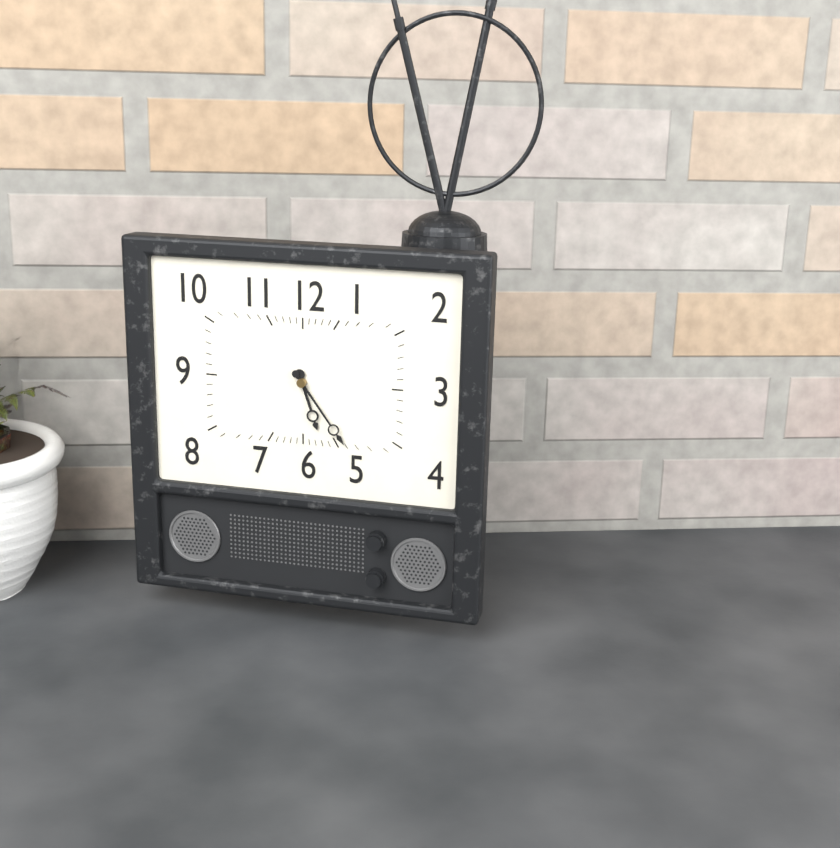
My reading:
**5:24**
